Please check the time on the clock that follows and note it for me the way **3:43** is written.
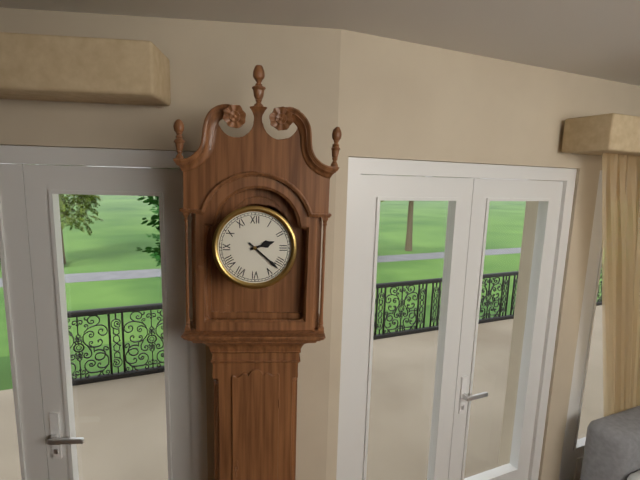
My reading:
**2:22**
